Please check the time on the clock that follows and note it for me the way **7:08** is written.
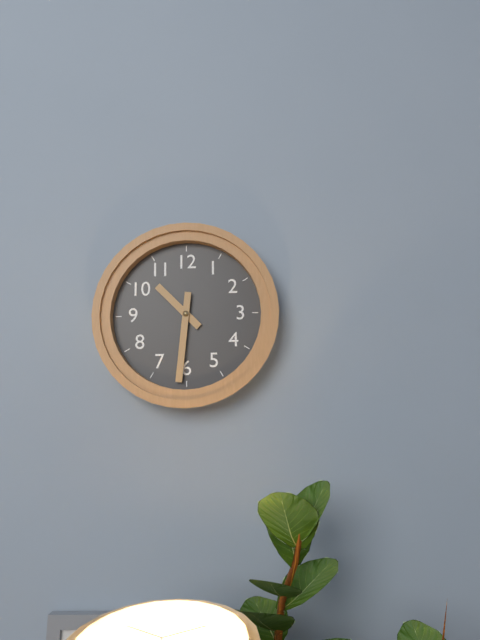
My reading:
**10:31**
